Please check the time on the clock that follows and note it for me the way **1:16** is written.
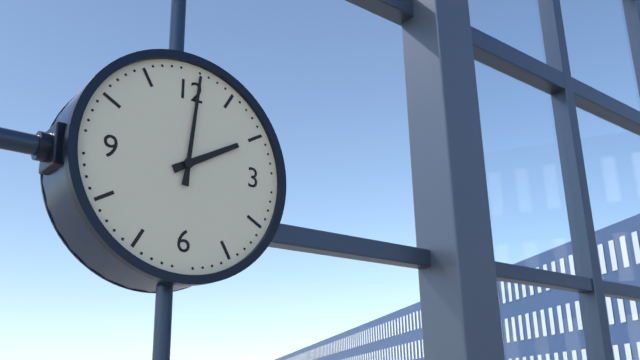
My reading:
**2:01**
